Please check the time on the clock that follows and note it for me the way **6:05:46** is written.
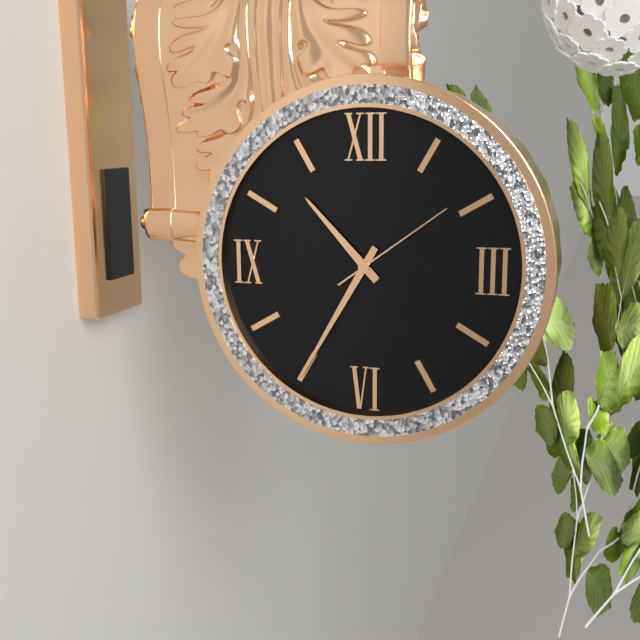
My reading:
**10:35:09**
